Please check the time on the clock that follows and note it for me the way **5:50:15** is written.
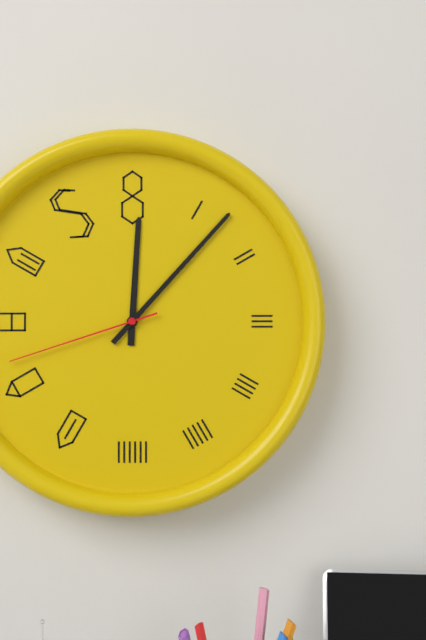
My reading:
**12:07:42**
